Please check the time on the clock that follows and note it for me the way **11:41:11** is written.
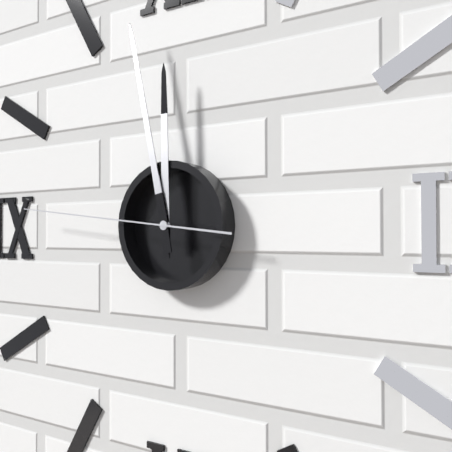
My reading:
**11:58:46**
